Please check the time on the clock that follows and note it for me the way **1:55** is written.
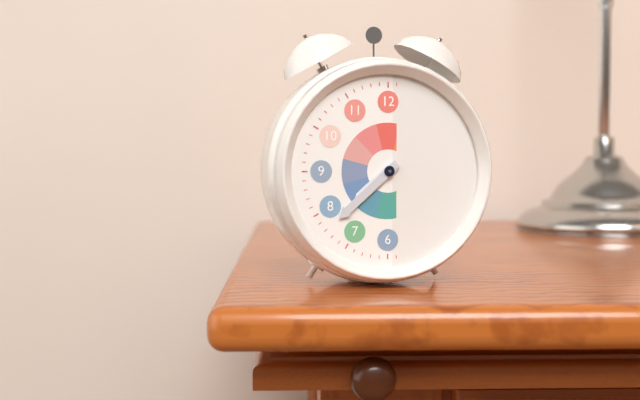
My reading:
**7:38**
